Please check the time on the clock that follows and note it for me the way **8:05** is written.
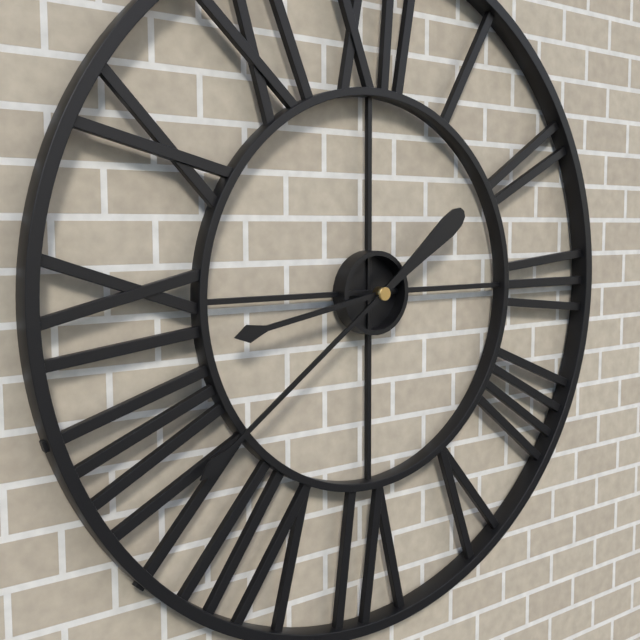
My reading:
**8:39**
